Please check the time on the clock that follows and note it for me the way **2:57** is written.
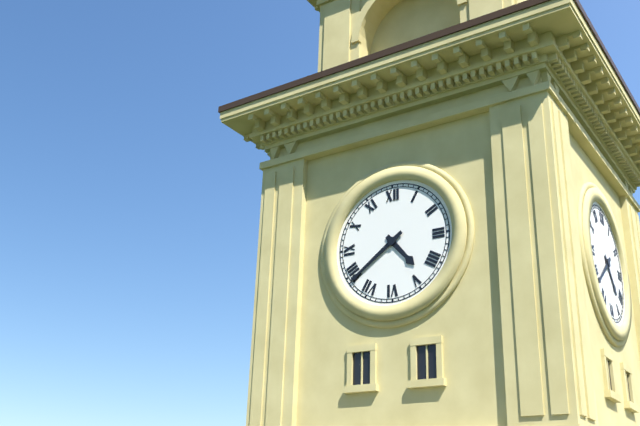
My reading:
**4:39**
